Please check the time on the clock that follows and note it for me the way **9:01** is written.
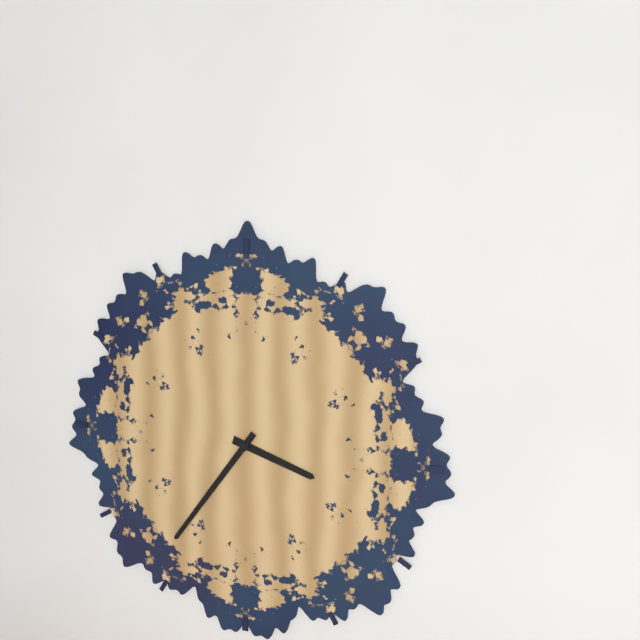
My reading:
**3:36**
